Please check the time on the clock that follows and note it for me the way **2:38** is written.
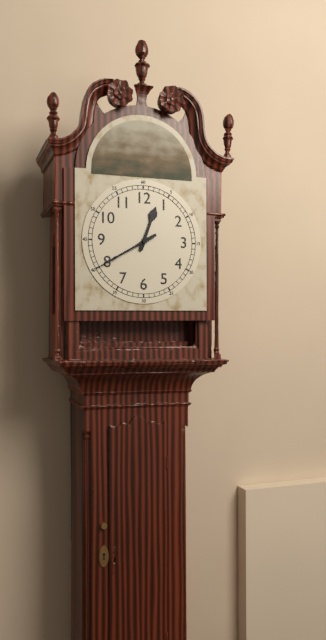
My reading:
**12:40**
